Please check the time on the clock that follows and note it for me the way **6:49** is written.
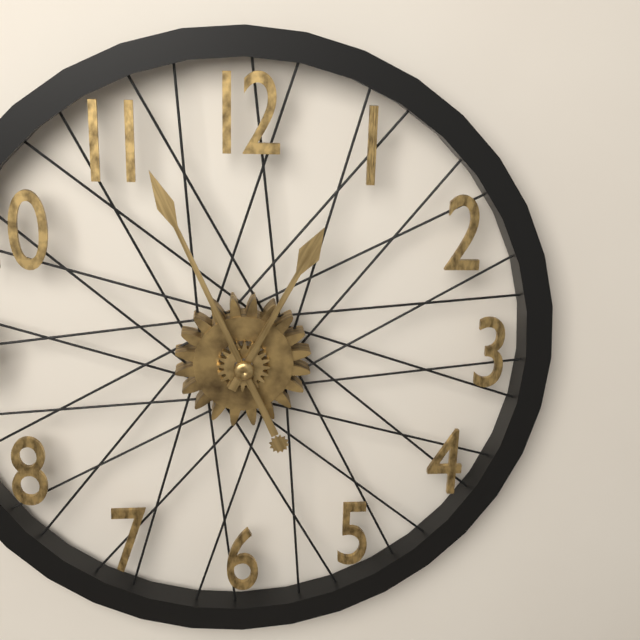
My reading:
**12:56**
